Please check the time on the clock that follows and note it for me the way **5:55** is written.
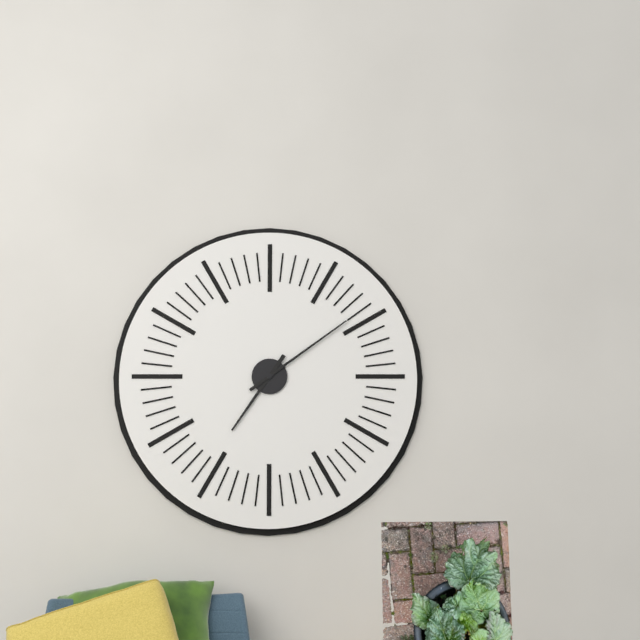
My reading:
**7:09**
